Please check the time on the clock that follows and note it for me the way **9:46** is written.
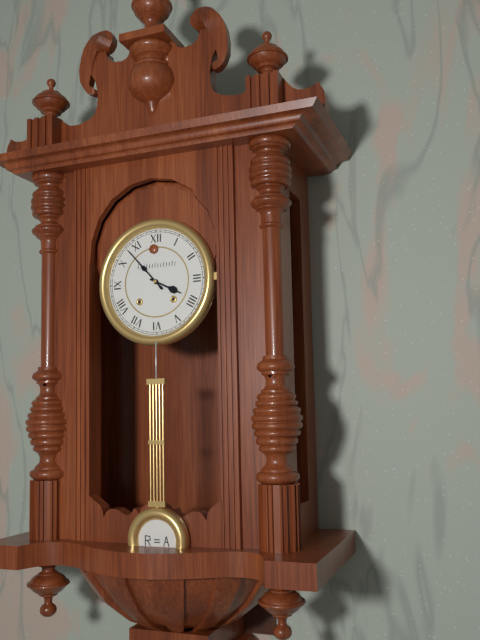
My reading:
**3:53**
